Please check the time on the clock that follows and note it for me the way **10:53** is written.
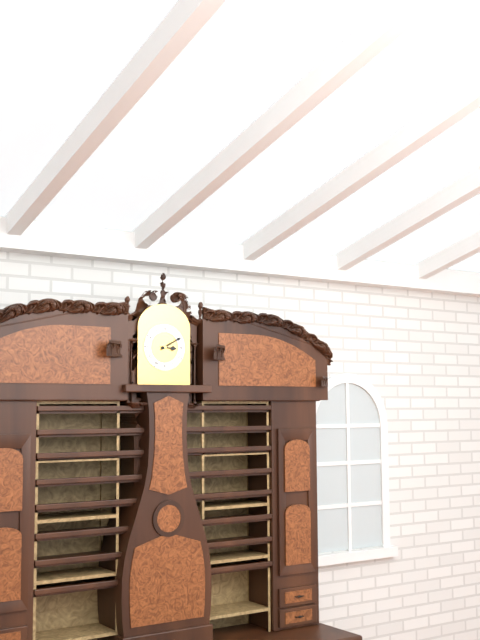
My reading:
**3:10**
